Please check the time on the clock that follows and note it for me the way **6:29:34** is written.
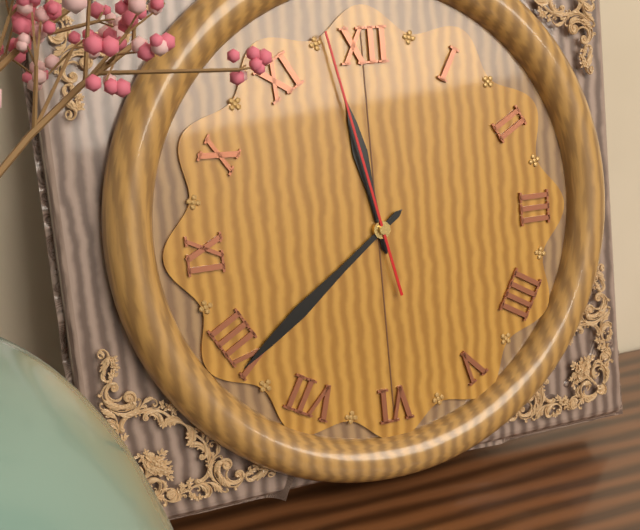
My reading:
**11:39:58**
